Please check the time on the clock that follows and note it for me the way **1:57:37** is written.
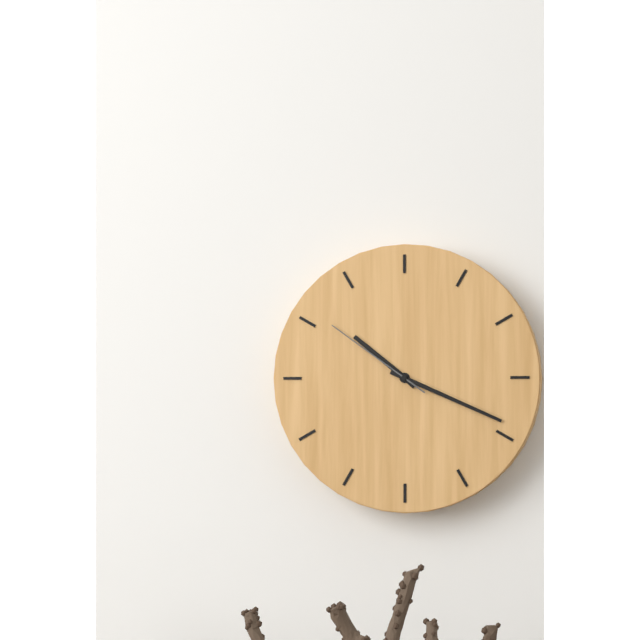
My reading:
**10:19:51**
